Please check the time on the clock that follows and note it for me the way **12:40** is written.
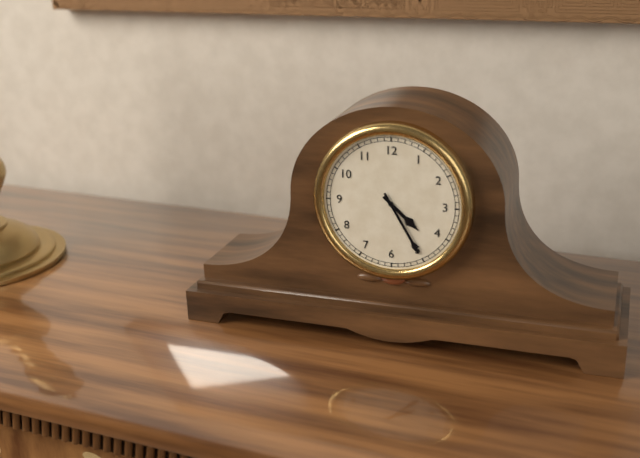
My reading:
**4:25**
